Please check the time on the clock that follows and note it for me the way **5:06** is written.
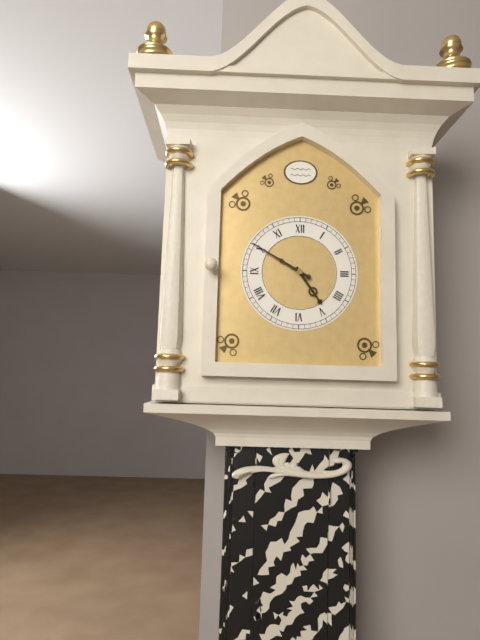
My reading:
**4:50**
